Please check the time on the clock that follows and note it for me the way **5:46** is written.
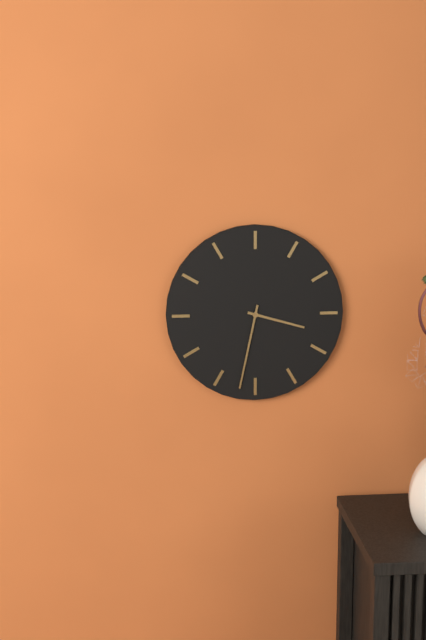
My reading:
**3:32**
